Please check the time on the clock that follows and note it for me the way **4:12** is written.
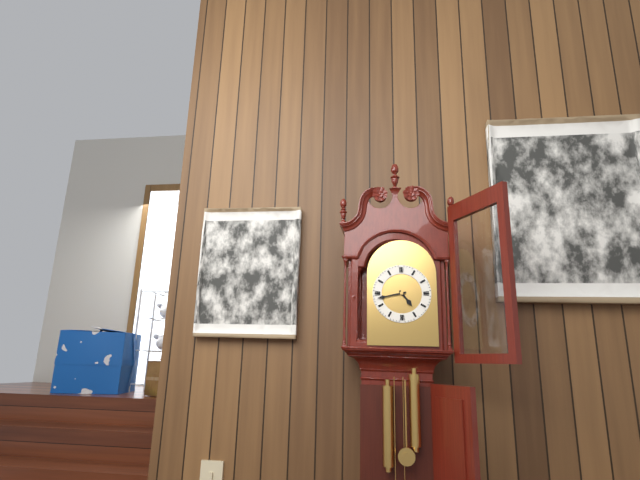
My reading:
**4:43**
